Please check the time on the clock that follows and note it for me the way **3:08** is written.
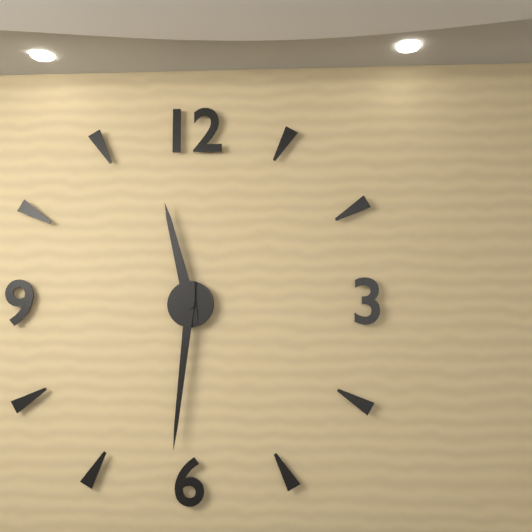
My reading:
**11:31**
